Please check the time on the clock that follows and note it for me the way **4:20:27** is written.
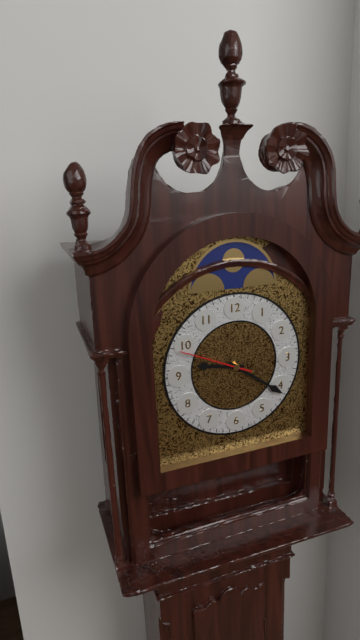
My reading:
**9:21:49**
